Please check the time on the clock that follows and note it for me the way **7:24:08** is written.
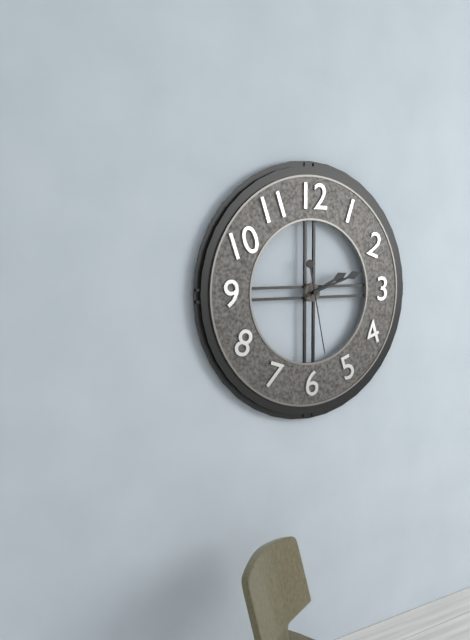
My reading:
**2:12:28**
